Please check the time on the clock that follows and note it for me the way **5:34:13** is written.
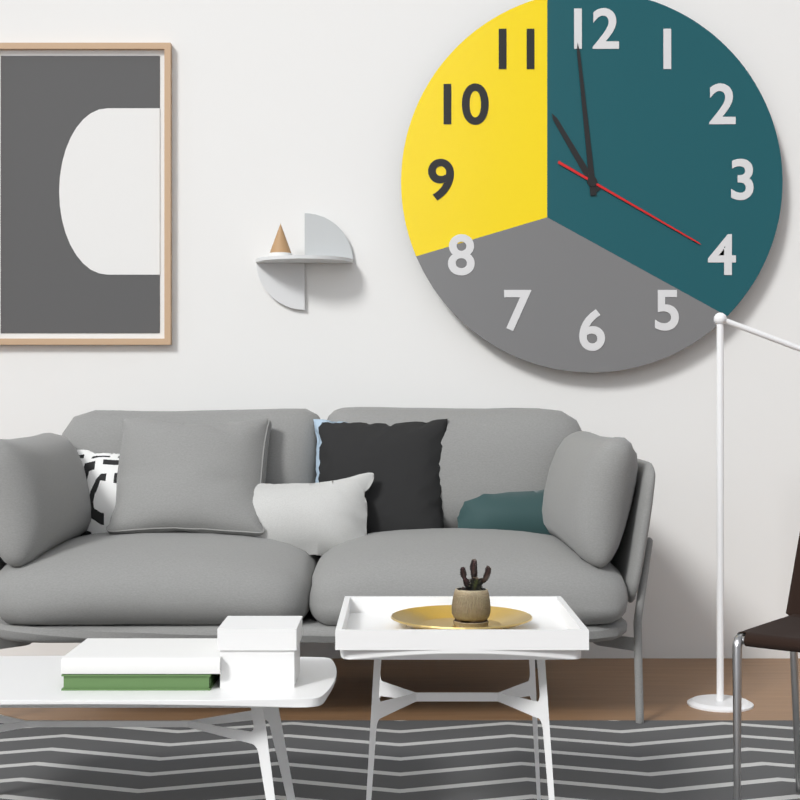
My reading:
**10:59:20**
